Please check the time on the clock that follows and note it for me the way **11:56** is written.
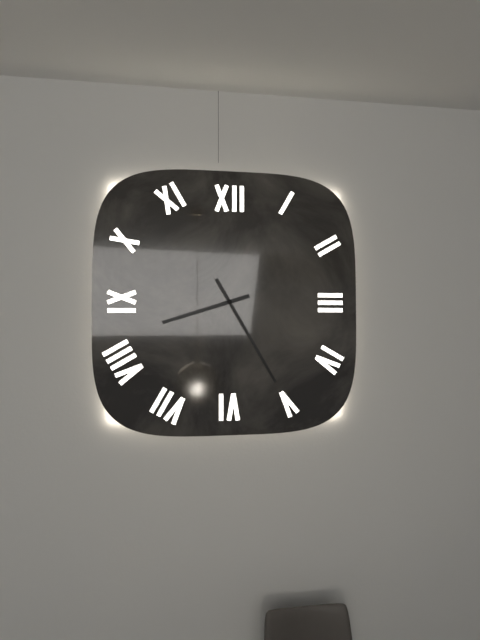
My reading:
**8:25**
